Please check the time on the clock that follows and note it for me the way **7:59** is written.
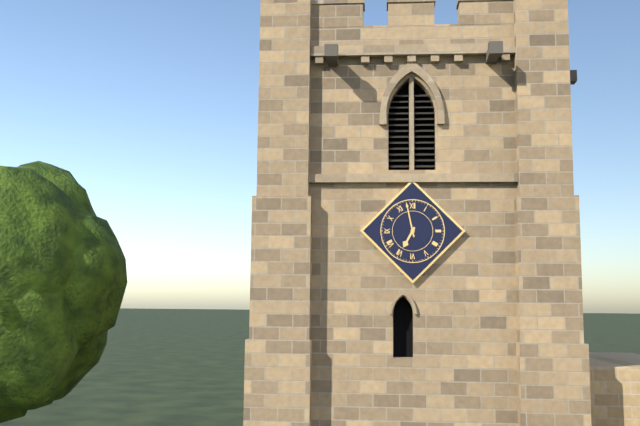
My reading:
**6:58**
